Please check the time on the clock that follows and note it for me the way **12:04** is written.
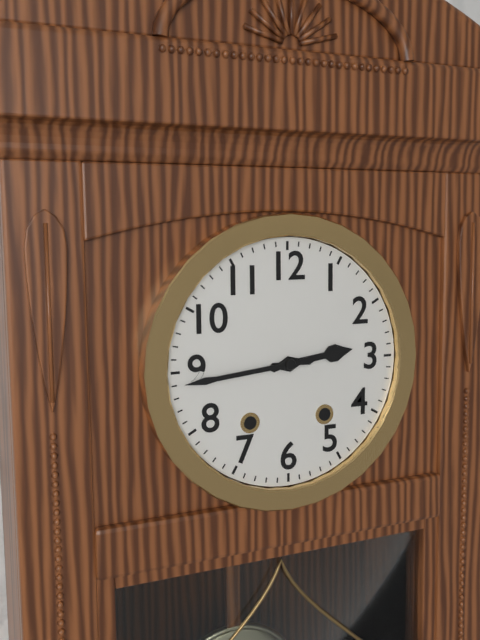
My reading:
**2:44**
